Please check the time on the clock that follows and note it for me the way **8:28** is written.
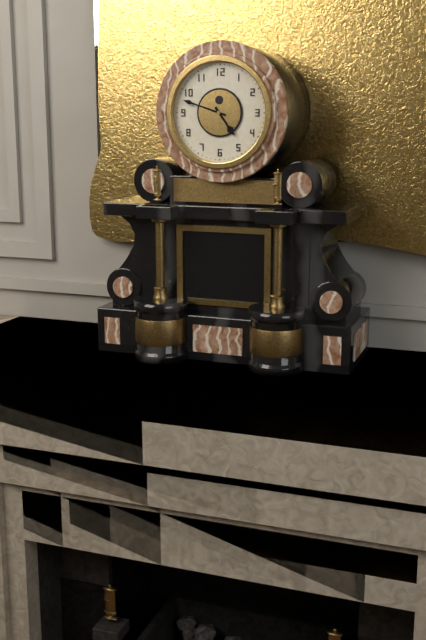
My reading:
**4:48**
